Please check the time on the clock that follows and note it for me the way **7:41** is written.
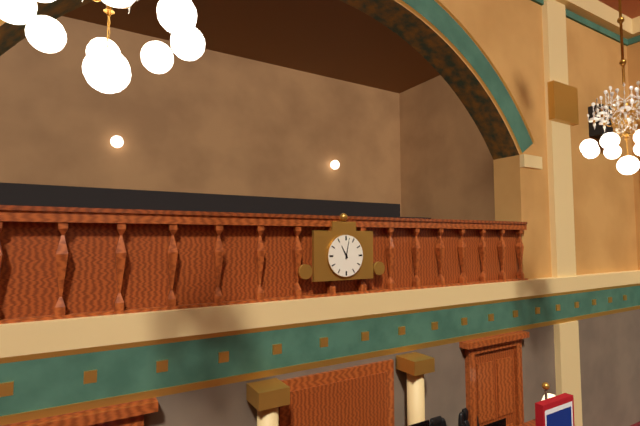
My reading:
**11:02**
